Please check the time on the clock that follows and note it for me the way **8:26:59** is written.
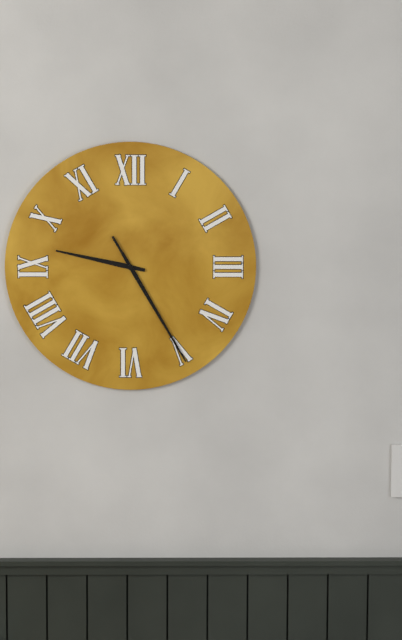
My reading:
**9:25:25**
